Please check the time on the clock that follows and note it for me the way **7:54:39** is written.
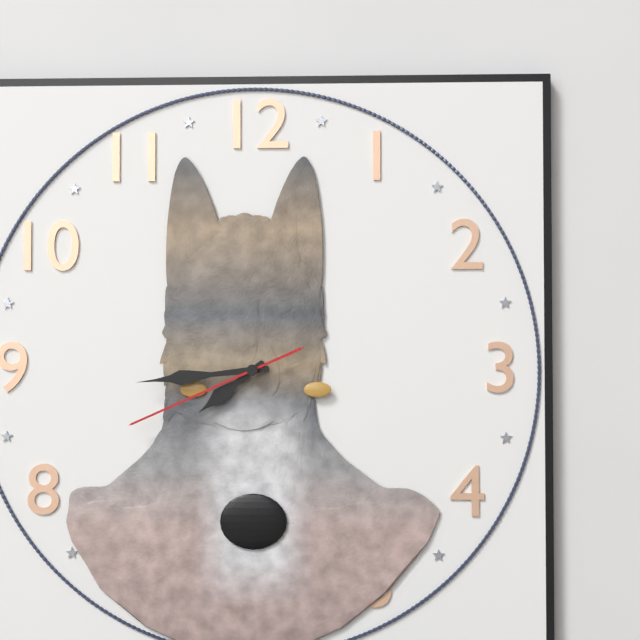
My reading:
**7:44:41**
